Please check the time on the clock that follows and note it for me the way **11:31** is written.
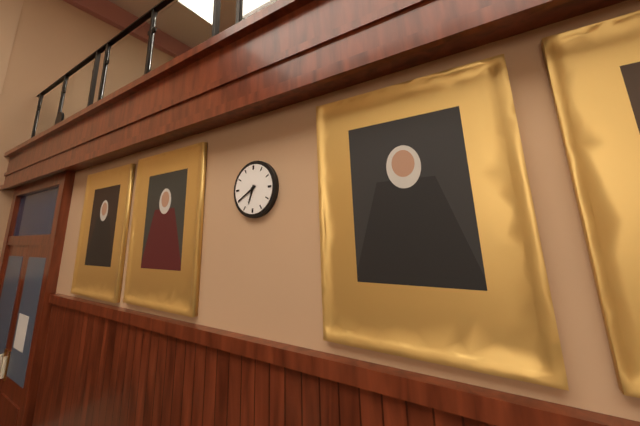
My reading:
**6:40**
